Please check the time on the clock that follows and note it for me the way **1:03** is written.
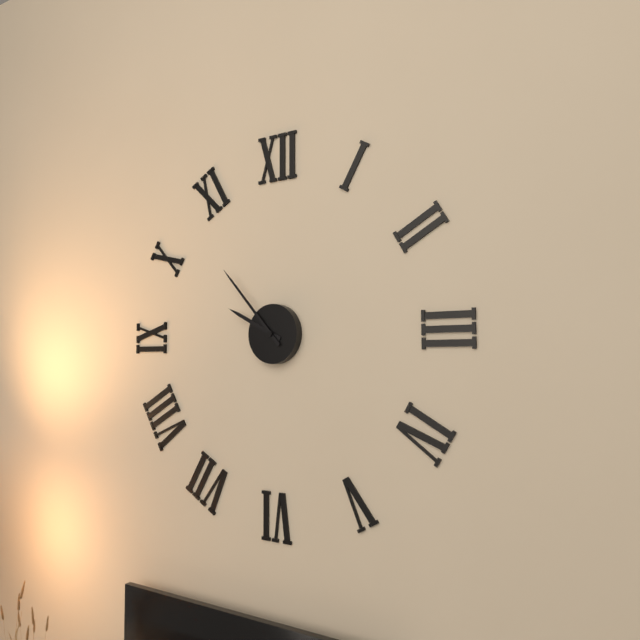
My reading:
**9:53**
